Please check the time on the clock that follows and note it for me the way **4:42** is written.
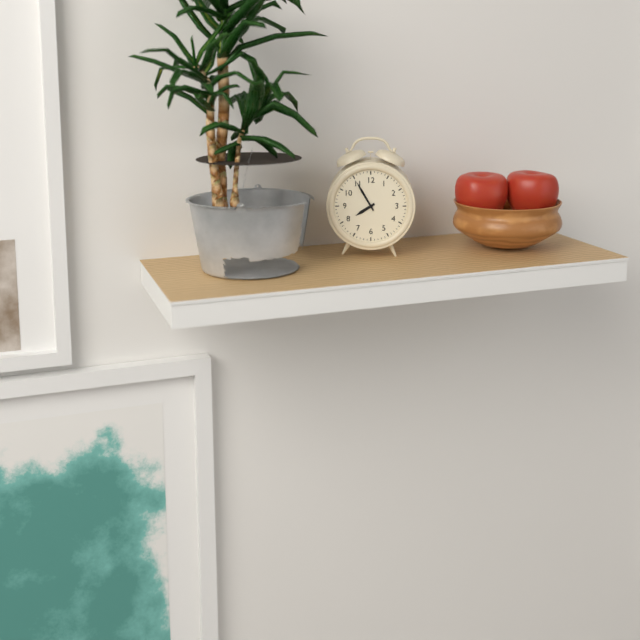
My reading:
**7:55**
